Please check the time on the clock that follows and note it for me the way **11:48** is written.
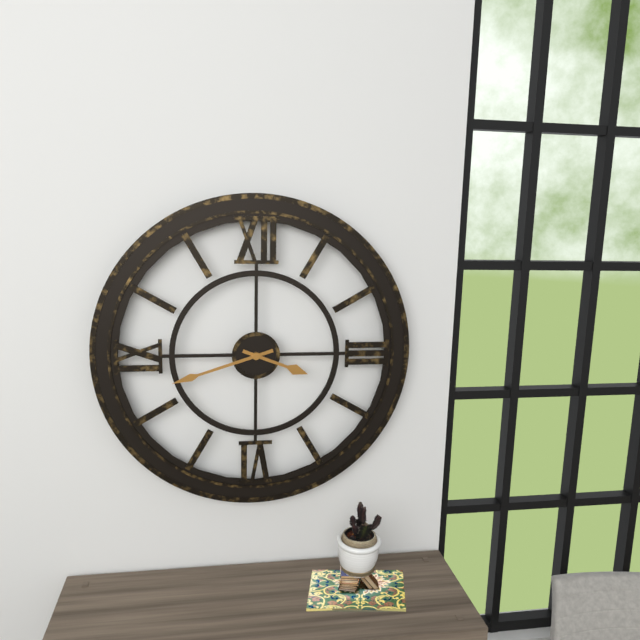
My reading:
**3:42**
